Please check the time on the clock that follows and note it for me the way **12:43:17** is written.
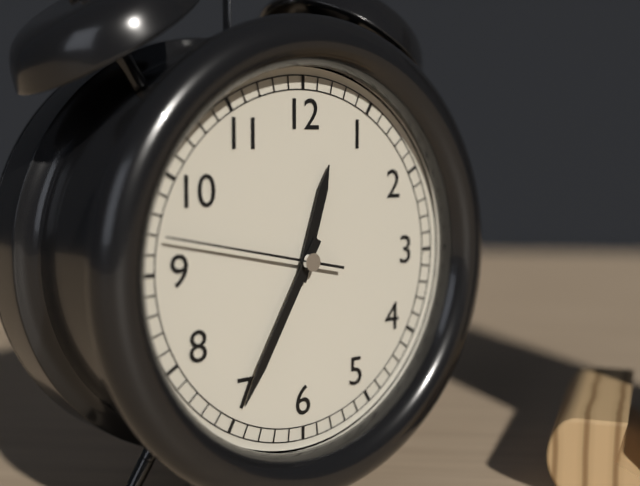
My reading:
**12:35:47**
